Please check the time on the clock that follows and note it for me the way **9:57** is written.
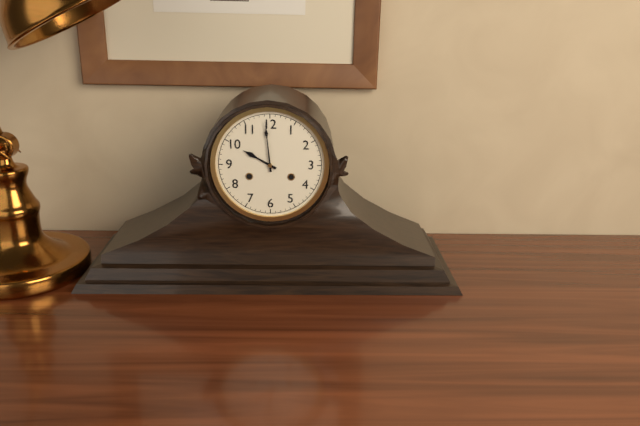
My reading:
**9:59**
